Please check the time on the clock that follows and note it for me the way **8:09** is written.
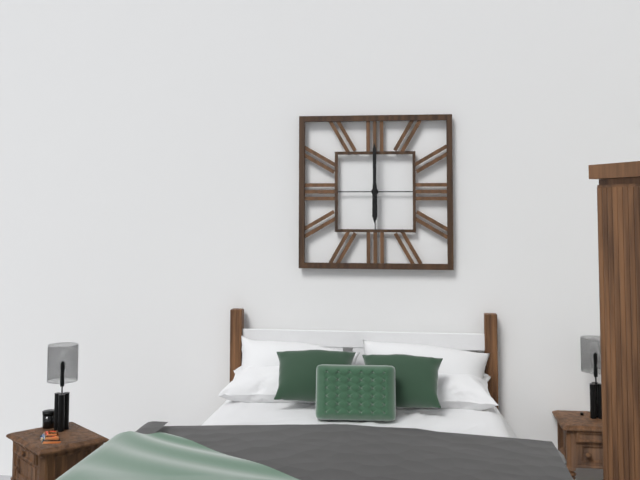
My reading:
**6:00**
